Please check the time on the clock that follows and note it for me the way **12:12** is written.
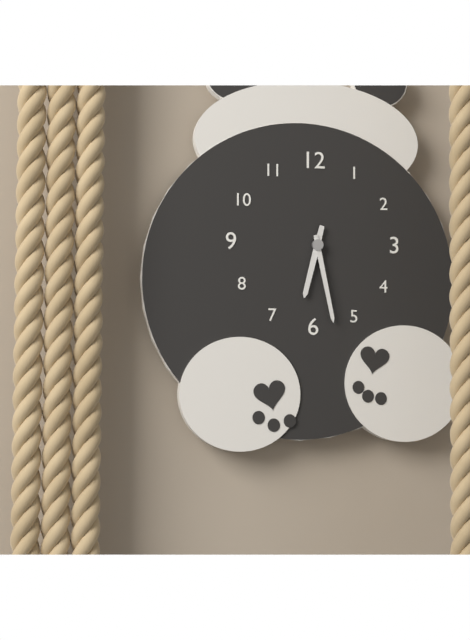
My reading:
**6:28**
